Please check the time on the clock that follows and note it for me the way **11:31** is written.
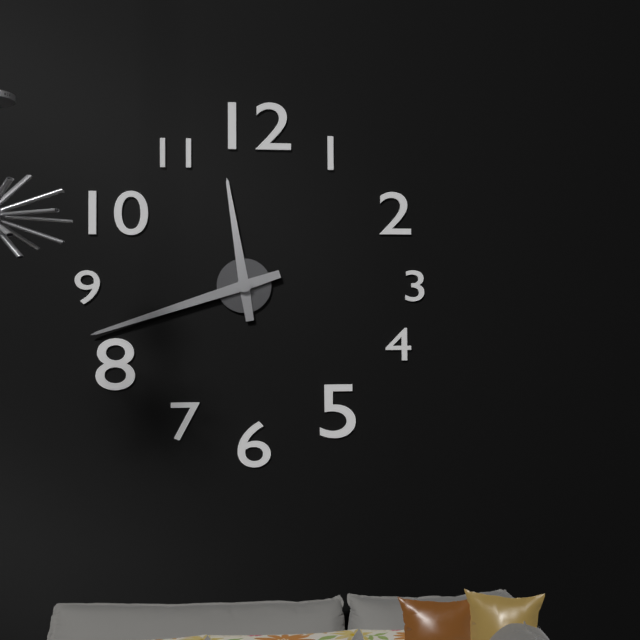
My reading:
**11:42**
